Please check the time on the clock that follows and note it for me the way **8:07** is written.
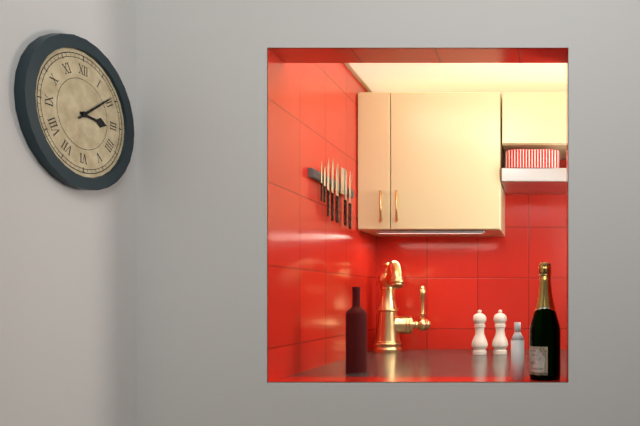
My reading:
**3:09**
